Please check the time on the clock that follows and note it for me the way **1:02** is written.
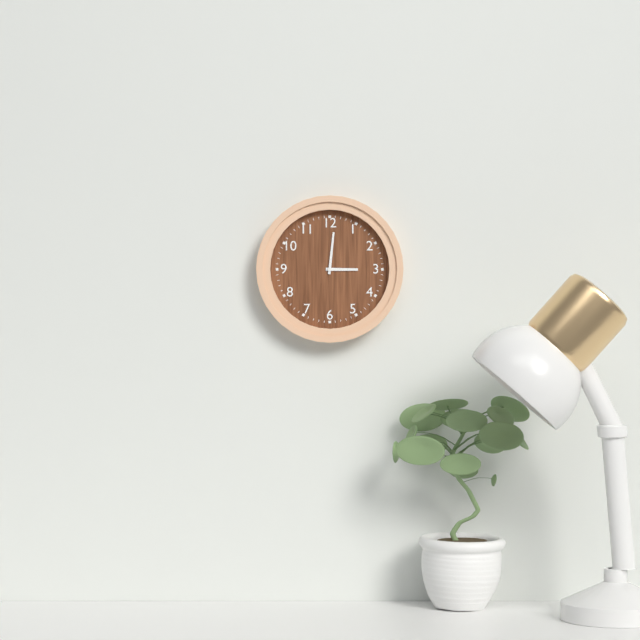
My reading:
**3:01**
